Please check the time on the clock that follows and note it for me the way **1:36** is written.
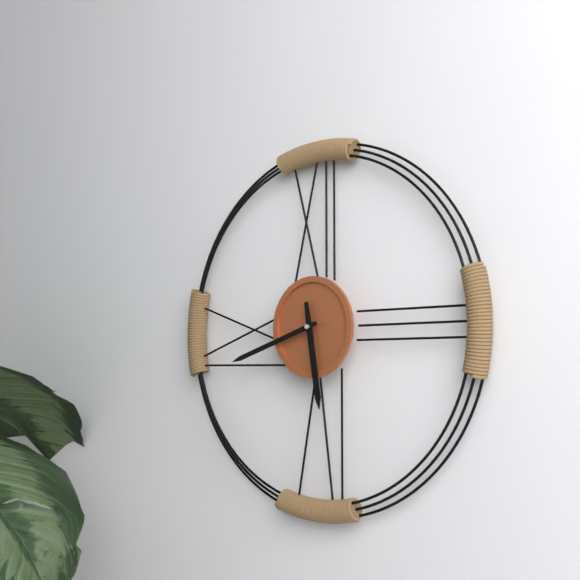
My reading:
**5:42**
